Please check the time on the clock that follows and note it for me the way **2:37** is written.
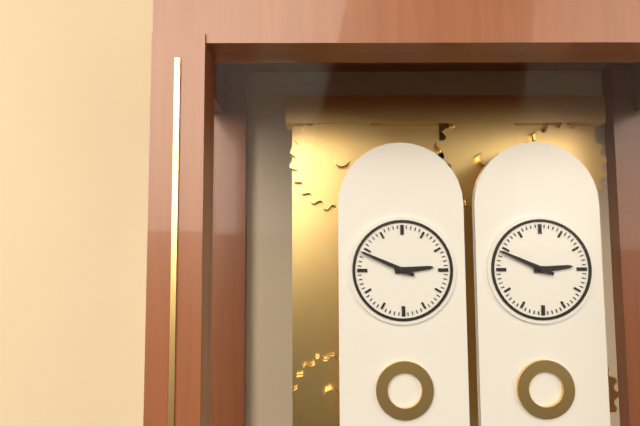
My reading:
**2:49**
